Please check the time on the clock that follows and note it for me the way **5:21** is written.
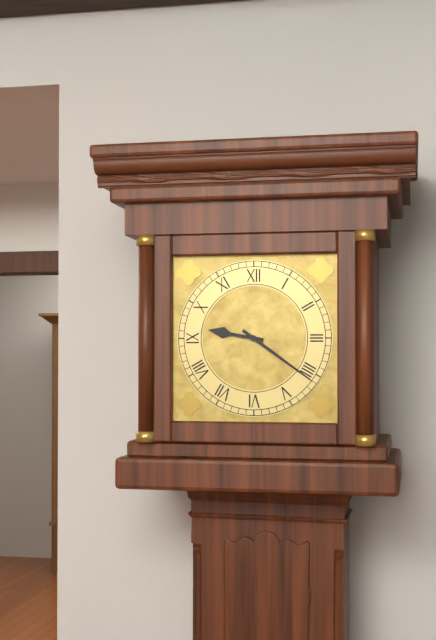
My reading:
**9:21**
